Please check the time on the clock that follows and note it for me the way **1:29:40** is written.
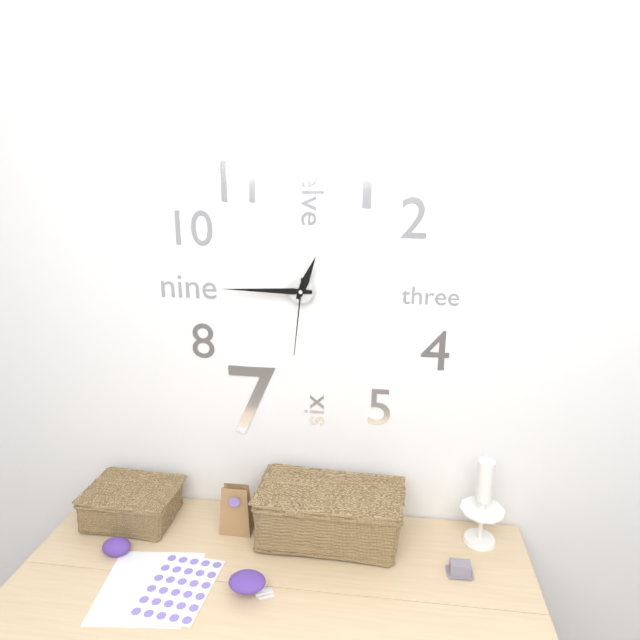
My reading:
**12:45:31**
